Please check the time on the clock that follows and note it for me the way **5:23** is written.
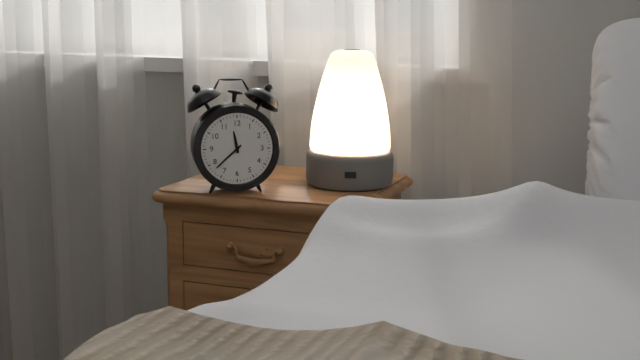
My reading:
**11:38**
